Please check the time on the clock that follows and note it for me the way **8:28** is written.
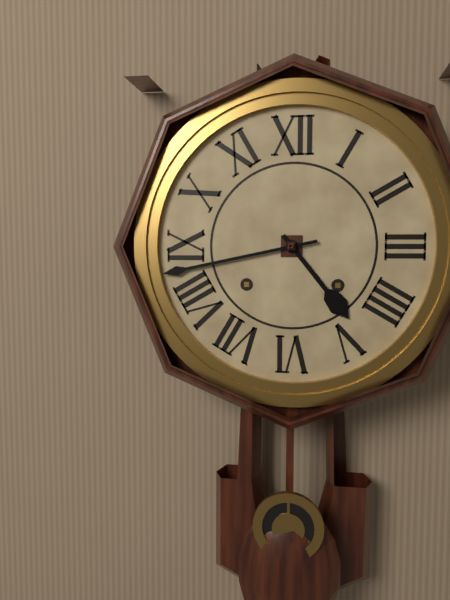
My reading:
**4:43**
